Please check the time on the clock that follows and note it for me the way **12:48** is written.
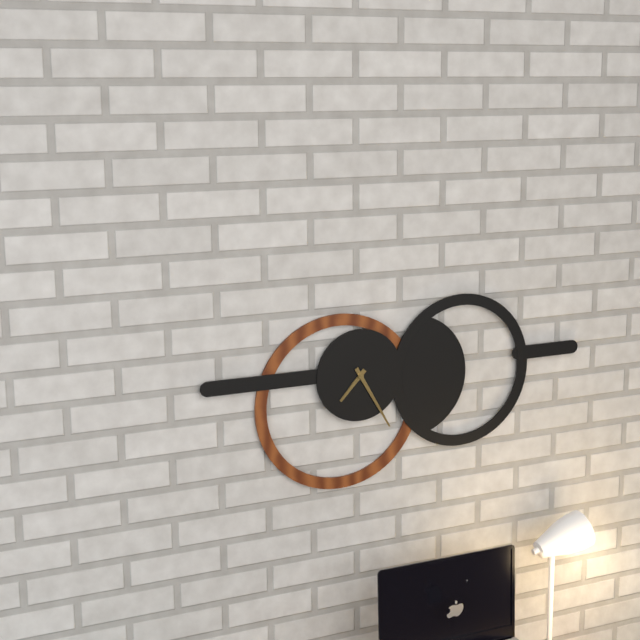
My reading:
**7:25**
